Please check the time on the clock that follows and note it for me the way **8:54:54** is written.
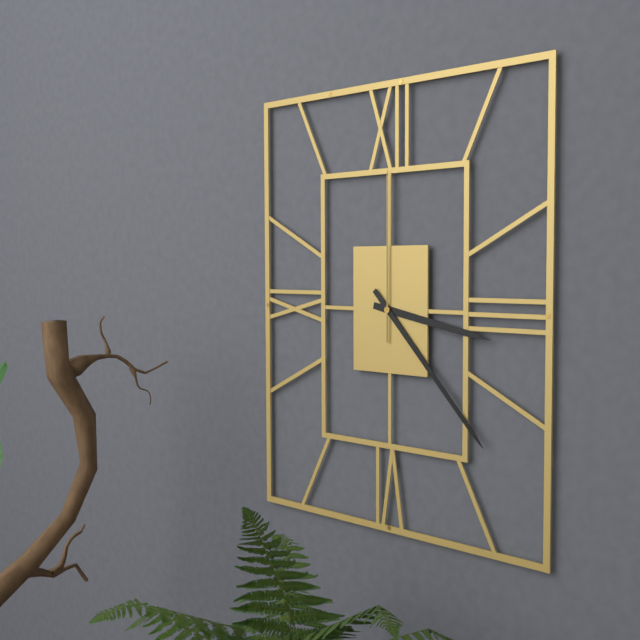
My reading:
**3:23:00**
